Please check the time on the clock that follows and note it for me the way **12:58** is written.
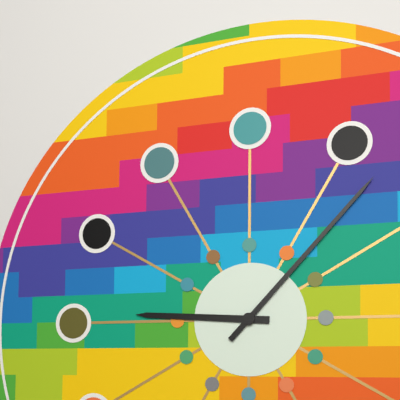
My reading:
**9:07**
